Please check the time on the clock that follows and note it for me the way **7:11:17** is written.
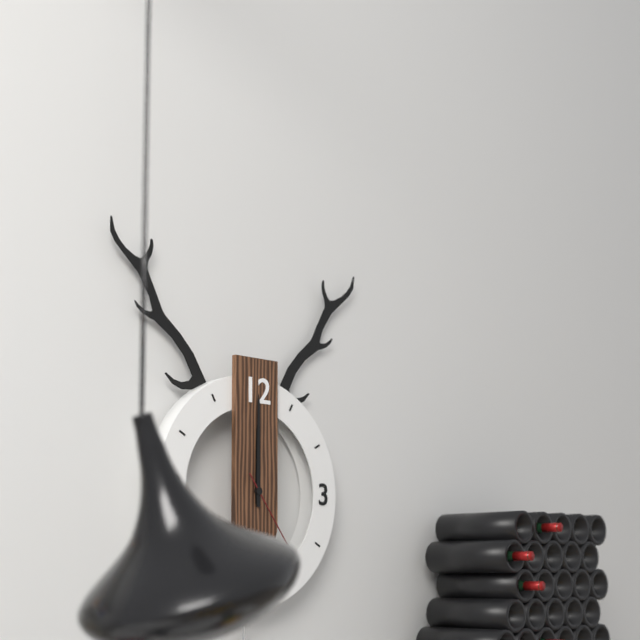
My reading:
**12:00:24**
